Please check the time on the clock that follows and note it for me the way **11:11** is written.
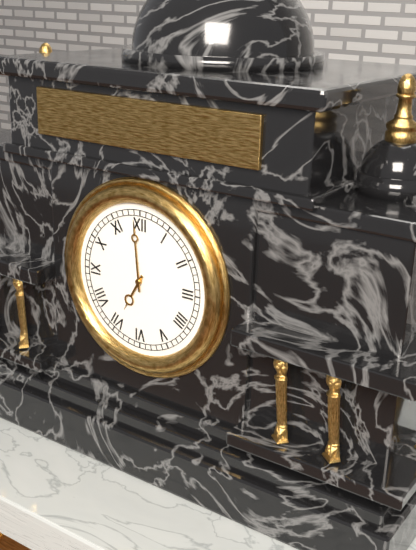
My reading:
**6:59**
